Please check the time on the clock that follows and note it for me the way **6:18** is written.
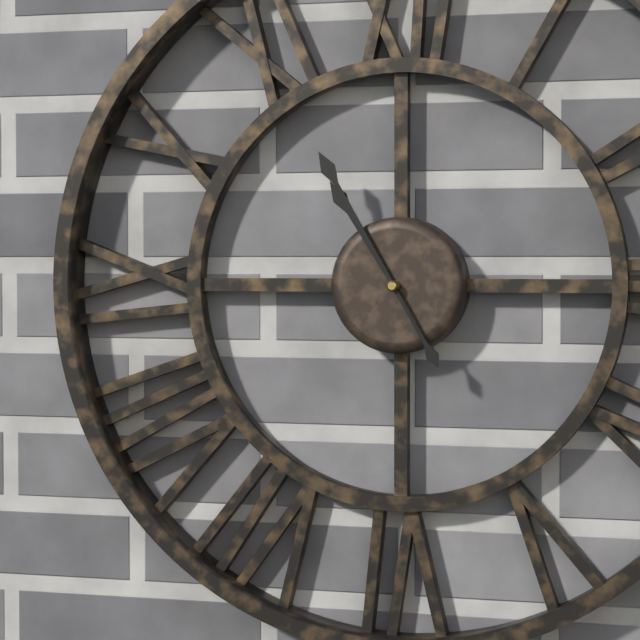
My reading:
**10:55**
